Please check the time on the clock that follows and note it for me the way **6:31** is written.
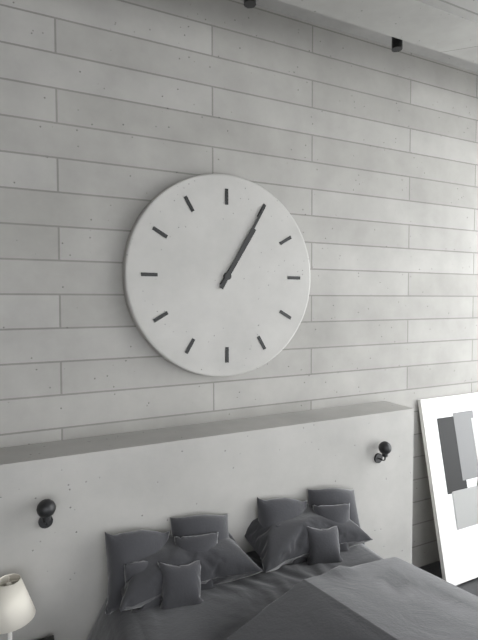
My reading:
**1:05**
